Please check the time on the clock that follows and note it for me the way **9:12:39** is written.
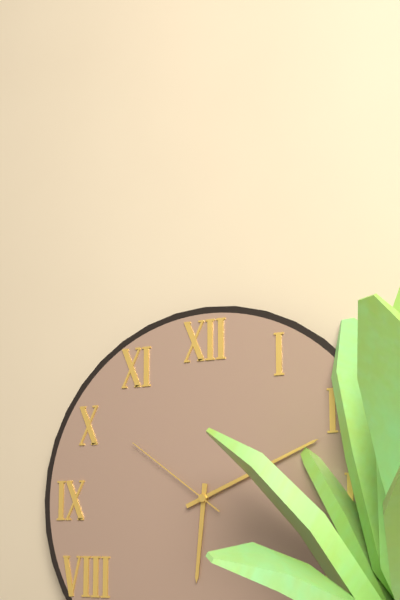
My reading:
**6:11:51**
